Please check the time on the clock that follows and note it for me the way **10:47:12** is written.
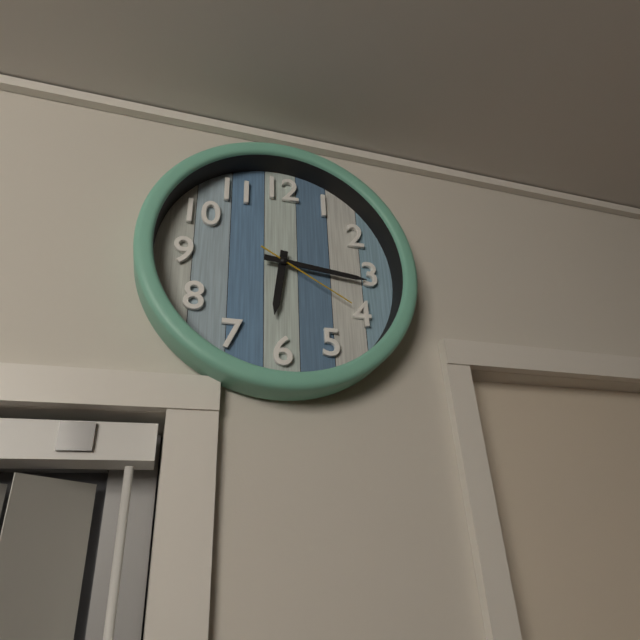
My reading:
**6:16:20**
